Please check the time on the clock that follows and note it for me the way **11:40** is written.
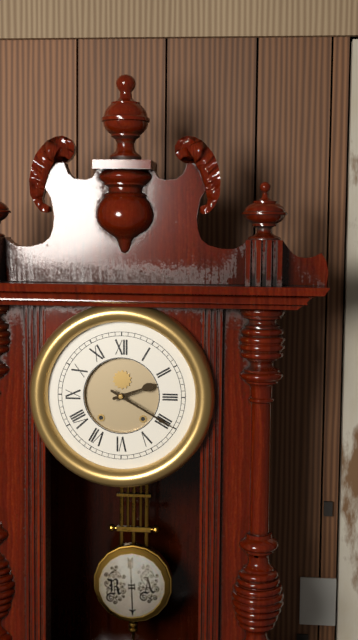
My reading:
**2:20**
